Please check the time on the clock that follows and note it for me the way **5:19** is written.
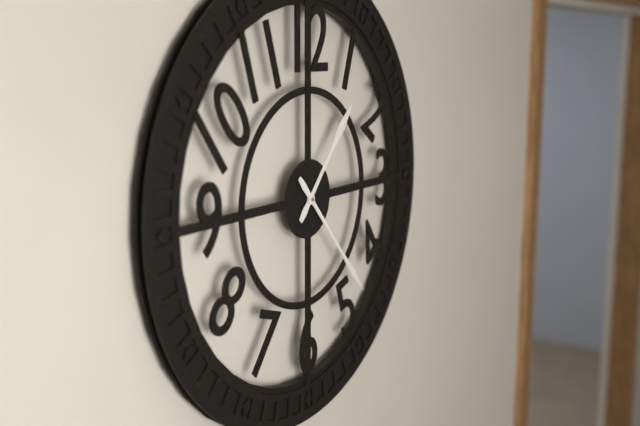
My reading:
**1:23**
